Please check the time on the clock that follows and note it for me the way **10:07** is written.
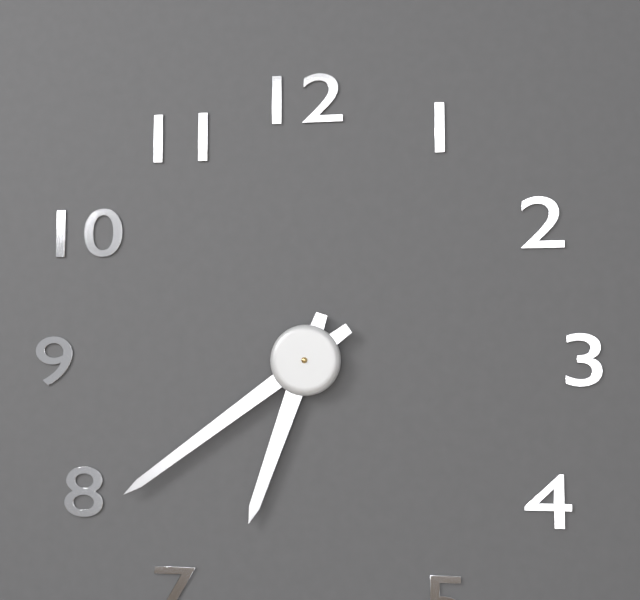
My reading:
**6:39**
